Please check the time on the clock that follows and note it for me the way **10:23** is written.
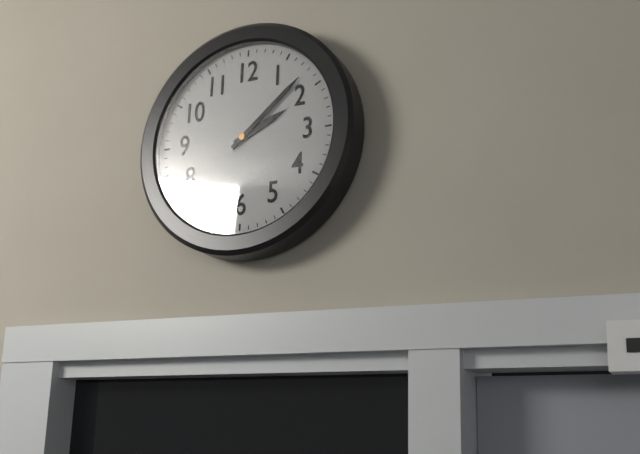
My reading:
**2:08**
